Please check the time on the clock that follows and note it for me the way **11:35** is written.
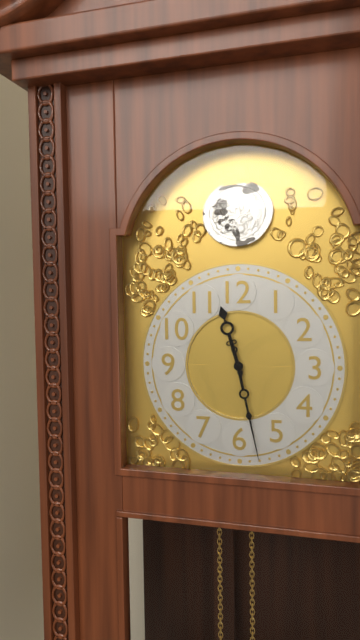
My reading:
**11:28**
